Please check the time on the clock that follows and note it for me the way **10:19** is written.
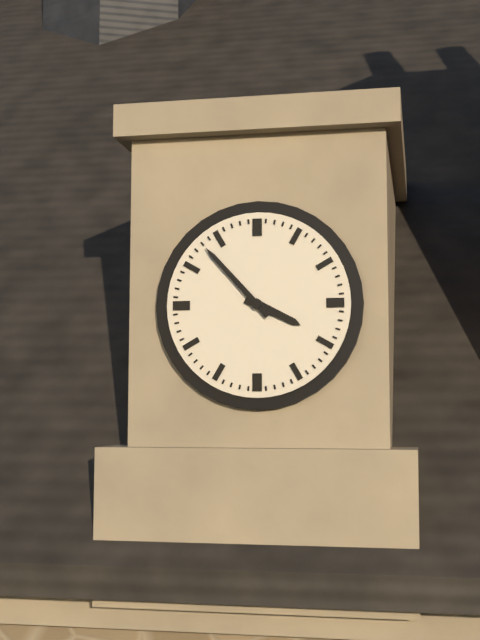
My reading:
**3:53**
